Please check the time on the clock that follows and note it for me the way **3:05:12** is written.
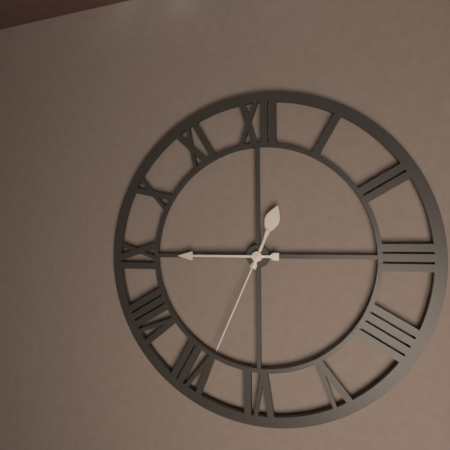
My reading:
**12:45:34**
